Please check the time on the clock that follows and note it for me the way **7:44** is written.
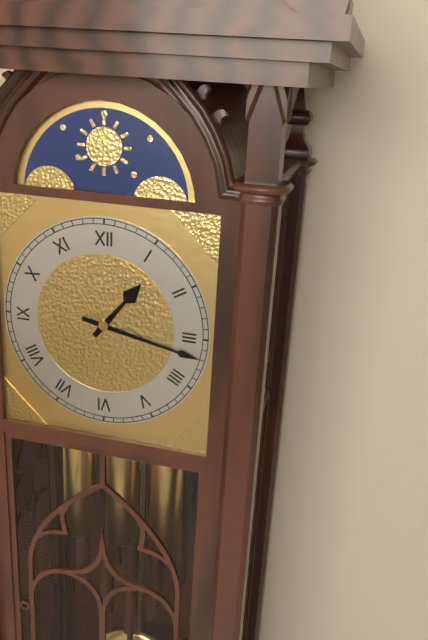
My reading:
**1:17**
